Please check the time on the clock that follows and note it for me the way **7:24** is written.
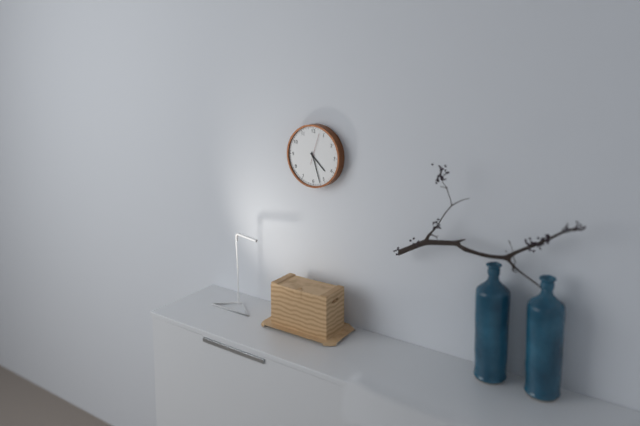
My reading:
**4:27**
